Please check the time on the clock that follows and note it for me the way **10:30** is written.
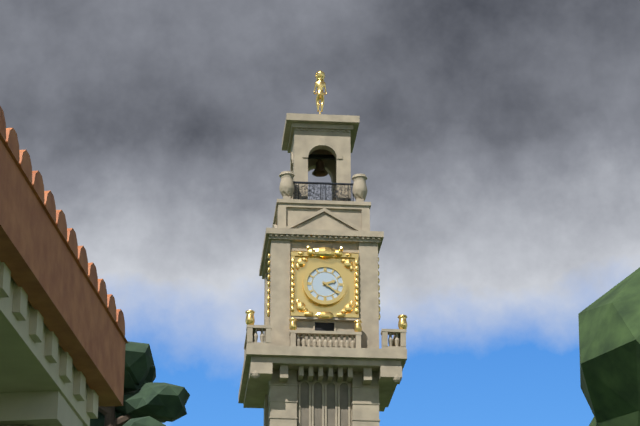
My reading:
**2:21**
